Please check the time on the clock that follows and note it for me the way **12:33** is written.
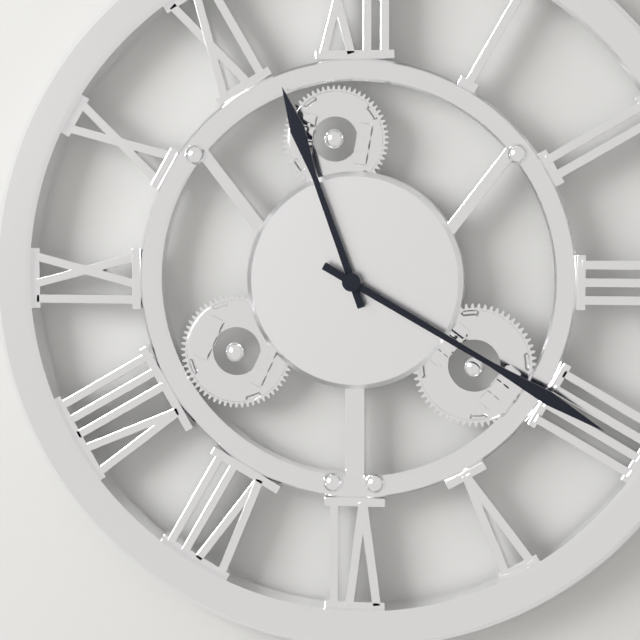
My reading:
**11:20**
